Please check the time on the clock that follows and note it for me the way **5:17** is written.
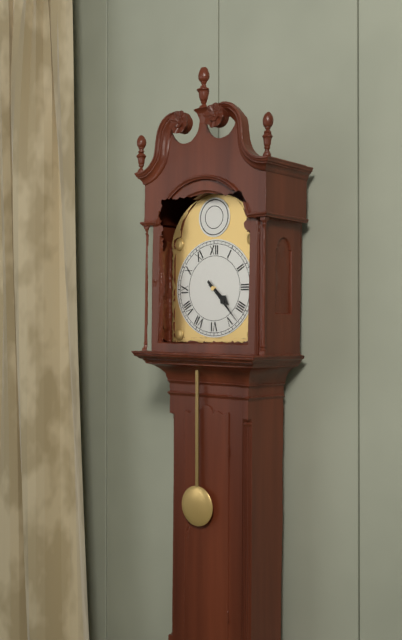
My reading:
**4:23**
